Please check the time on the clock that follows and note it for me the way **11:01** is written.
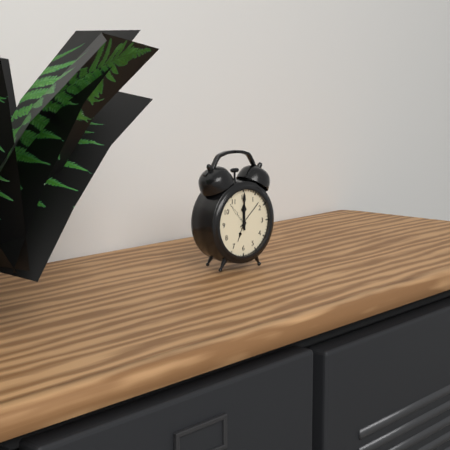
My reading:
**12:00**
